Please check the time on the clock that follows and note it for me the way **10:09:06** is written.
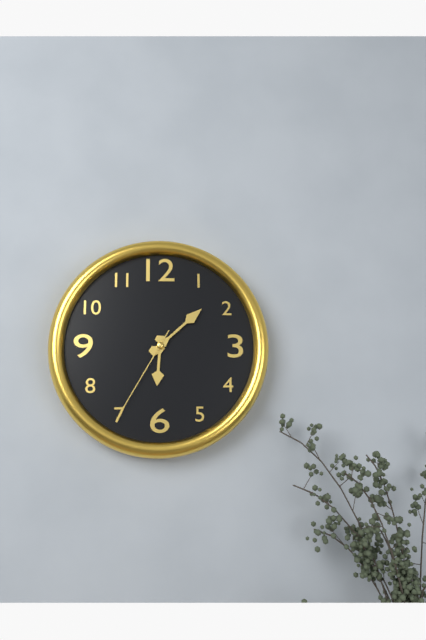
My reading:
**6:08:35**
